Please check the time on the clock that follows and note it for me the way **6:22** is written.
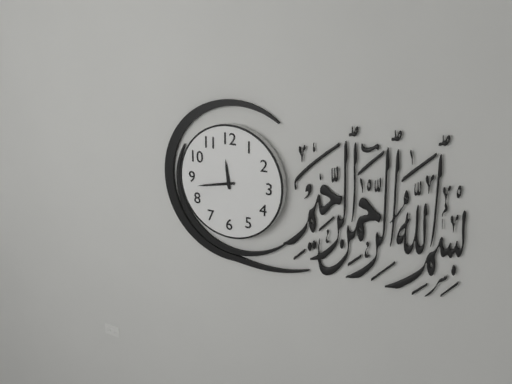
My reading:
**11:43**
